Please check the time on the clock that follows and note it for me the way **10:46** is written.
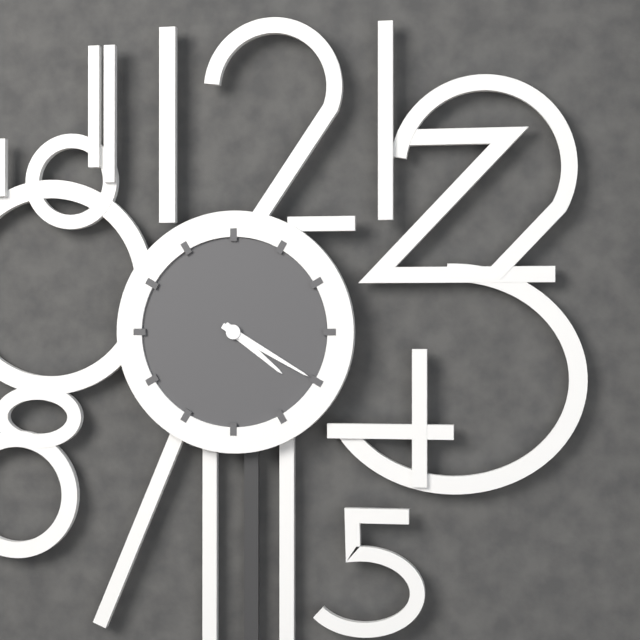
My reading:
**4:20**
